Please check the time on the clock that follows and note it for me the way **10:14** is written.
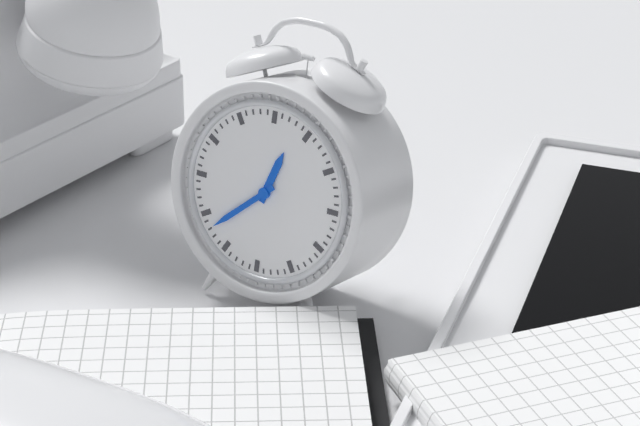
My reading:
**12:38**
